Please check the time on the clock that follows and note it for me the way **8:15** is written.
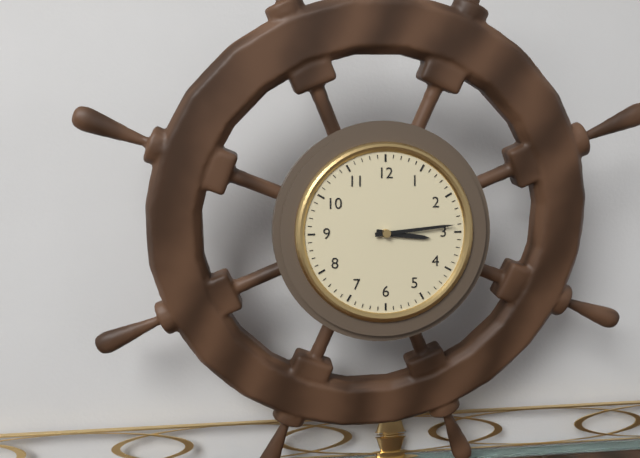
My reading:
**3:14**
